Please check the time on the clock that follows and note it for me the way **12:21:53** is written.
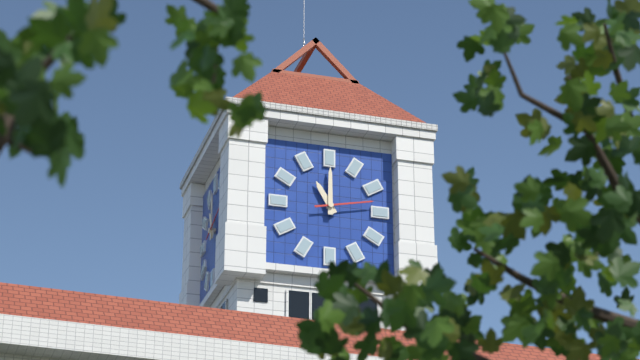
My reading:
**11:00:13**
